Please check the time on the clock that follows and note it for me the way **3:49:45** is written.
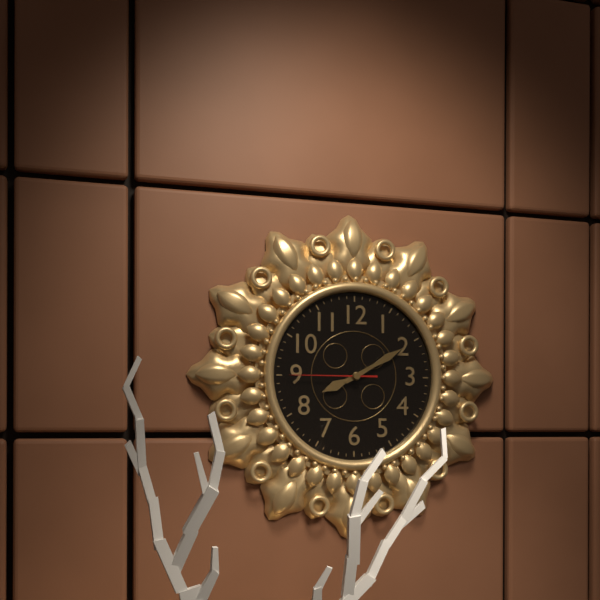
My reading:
**8:10:45**
